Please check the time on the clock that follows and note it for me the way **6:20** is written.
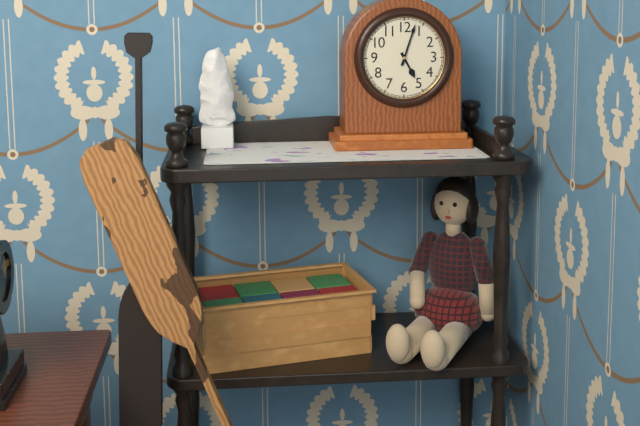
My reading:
**5:03**
